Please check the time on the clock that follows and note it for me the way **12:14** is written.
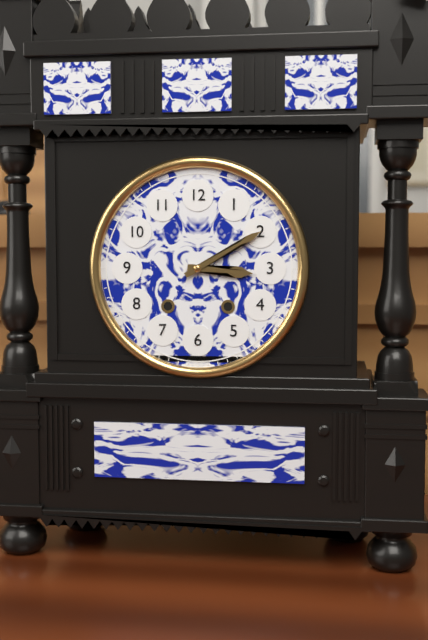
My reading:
**3:10**
